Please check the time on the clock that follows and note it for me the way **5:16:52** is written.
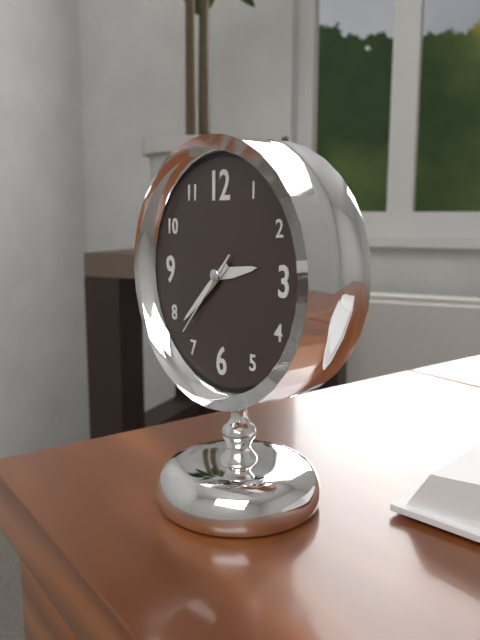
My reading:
**2:38:37**
